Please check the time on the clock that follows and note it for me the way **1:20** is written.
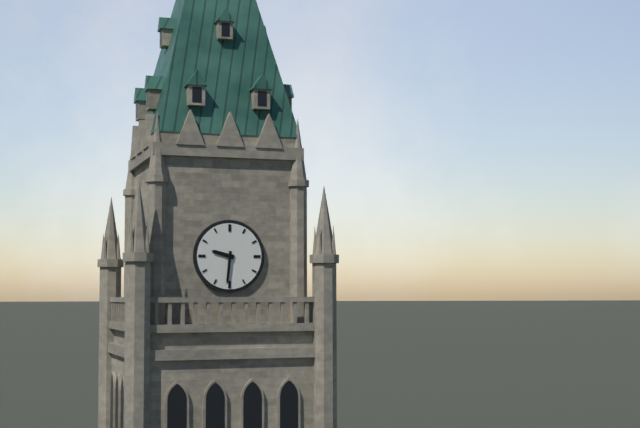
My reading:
**9:31**
